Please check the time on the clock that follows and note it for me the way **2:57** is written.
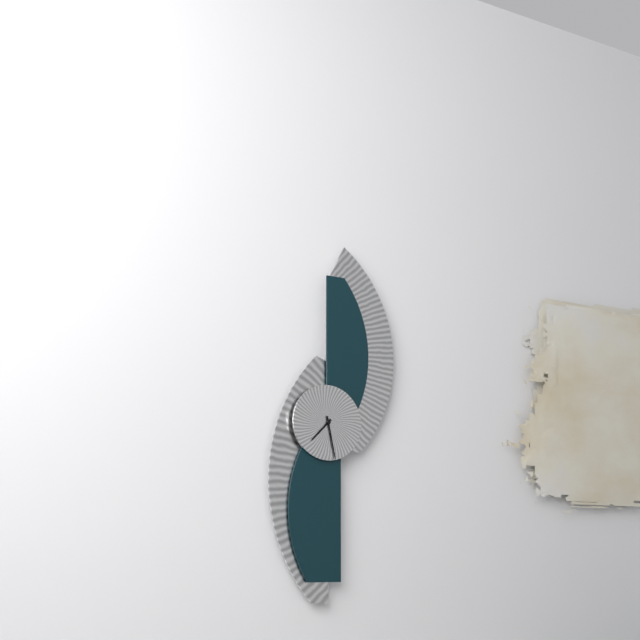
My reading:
**7:28**
